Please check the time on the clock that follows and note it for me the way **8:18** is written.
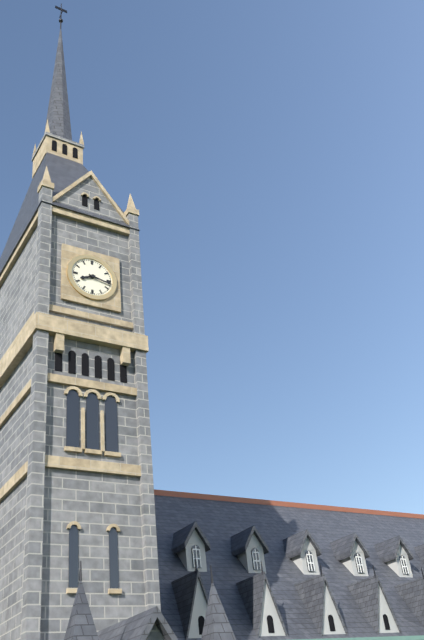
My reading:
**8:17**
